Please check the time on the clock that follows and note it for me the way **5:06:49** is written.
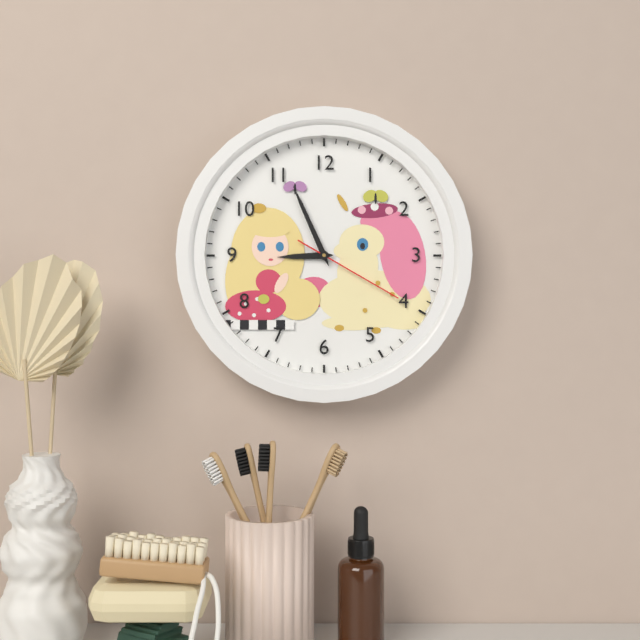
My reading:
**8:56:20**
